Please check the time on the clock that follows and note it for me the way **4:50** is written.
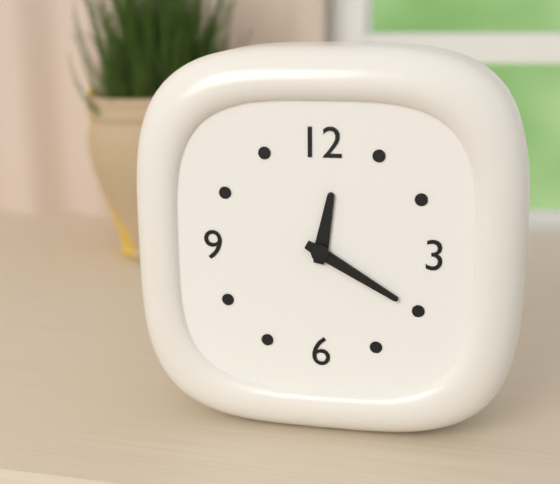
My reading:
**12:20**
